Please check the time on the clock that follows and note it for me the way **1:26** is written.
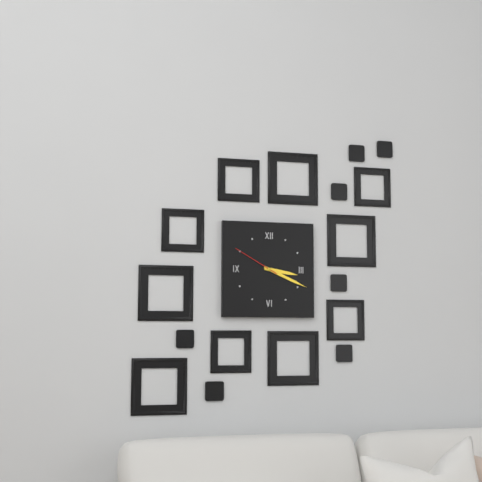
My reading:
**3:19**
